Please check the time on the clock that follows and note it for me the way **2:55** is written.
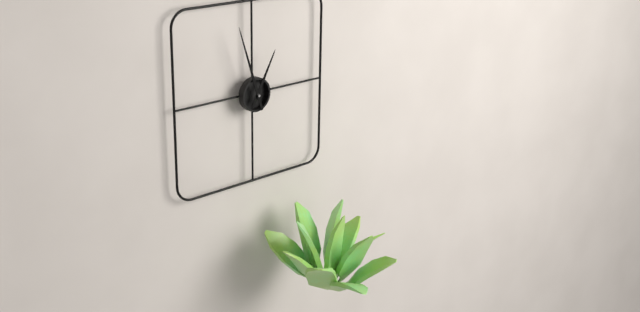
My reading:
**12:57**
